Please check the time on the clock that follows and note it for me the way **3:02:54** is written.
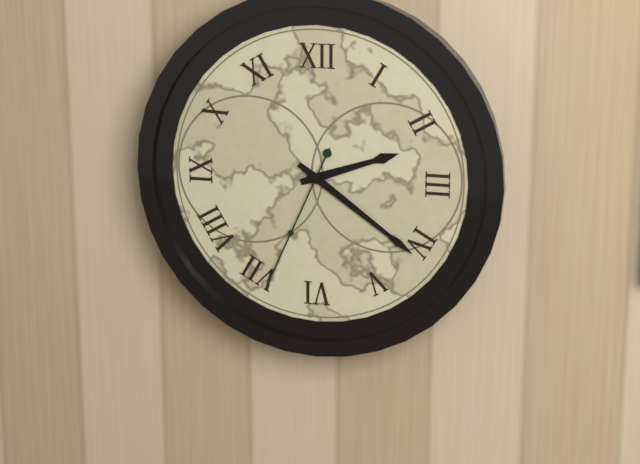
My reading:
**2:21:34**
